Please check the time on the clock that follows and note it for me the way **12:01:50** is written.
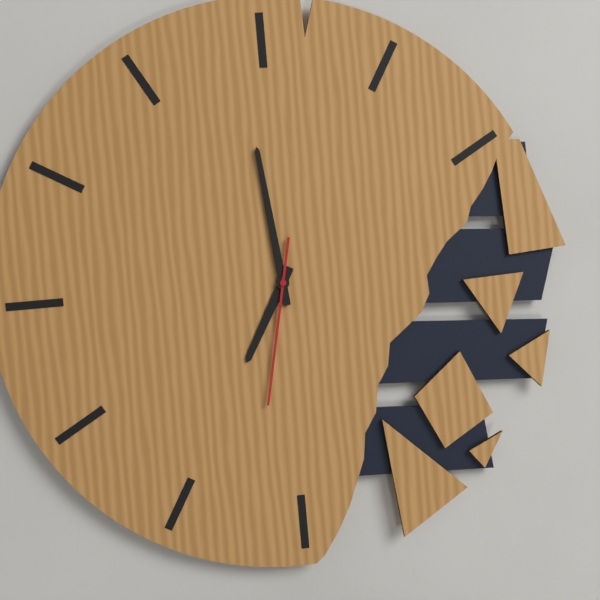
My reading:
**6:59:32**
